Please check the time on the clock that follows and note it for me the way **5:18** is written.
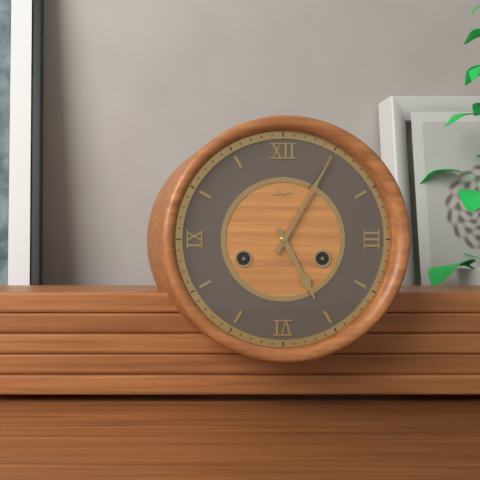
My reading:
**5:05**
